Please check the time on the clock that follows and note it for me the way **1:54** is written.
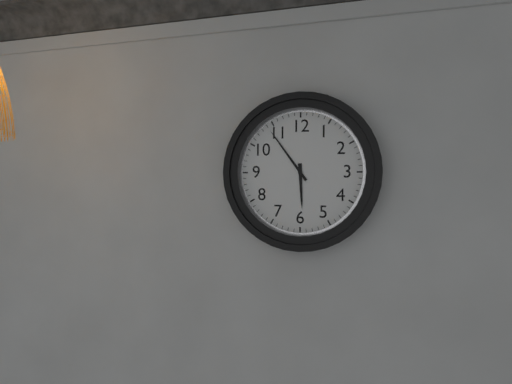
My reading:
**5:54**
